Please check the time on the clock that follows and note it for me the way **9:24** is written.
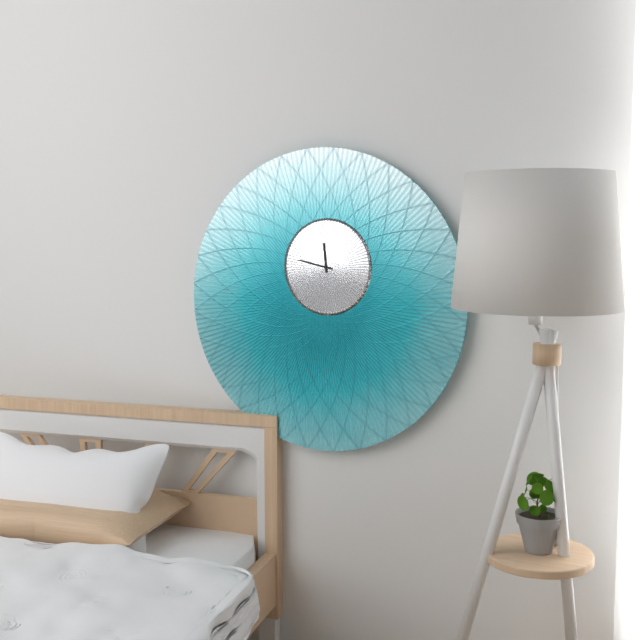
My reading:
**11:47**
